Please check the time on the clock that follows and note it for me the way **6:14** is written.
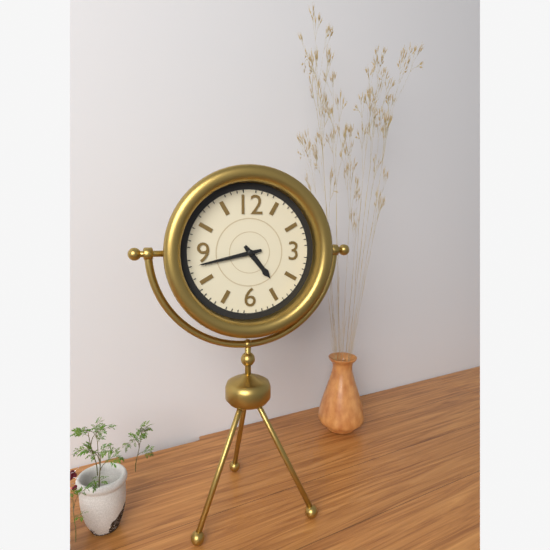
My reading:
**4:43**
